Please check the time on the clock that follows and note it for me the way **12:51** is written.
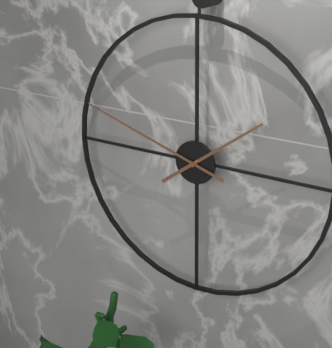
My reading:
**1:48**
